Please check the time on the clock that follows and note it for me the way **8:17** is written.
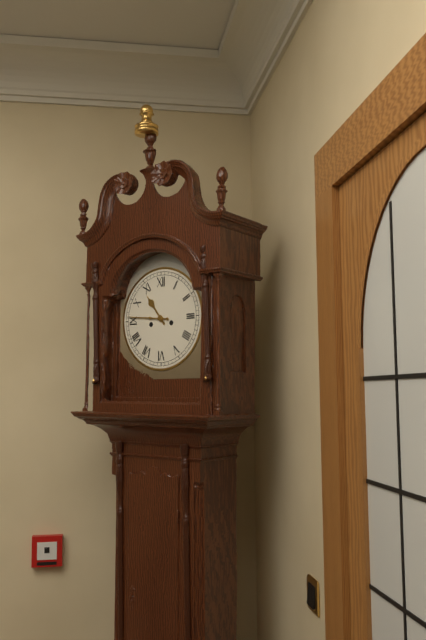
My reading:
**10:46**
